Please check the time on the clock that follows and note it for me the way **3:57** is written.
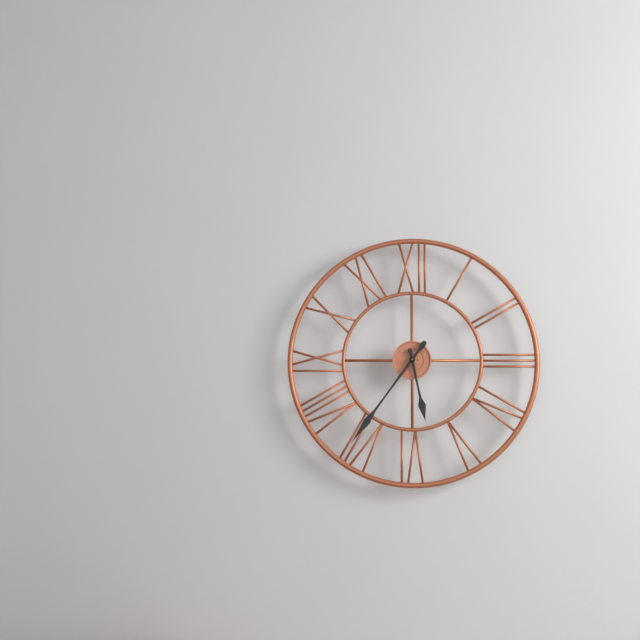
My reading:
**5:36**
